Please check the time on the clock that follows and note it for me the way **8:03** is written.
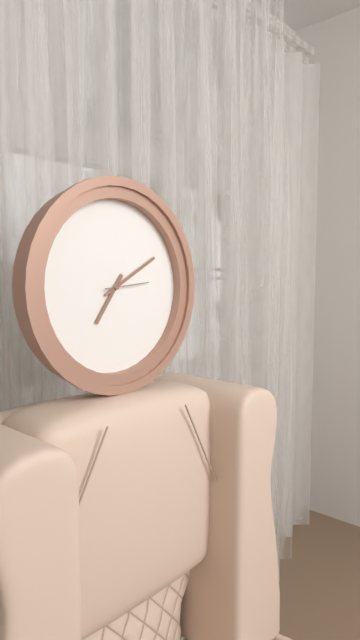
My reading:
**7:10**
